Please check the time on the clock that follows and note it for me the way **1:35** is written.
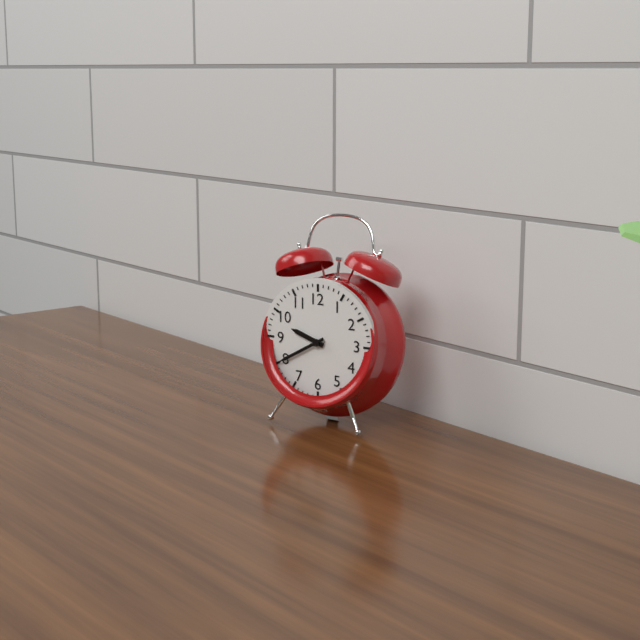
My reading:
**9:40**
